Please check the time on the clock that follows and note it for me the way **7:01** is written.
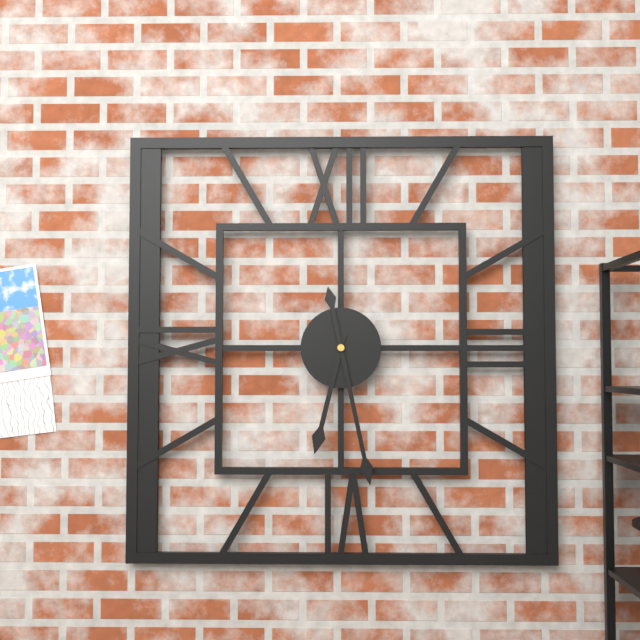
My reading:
**6:28**
